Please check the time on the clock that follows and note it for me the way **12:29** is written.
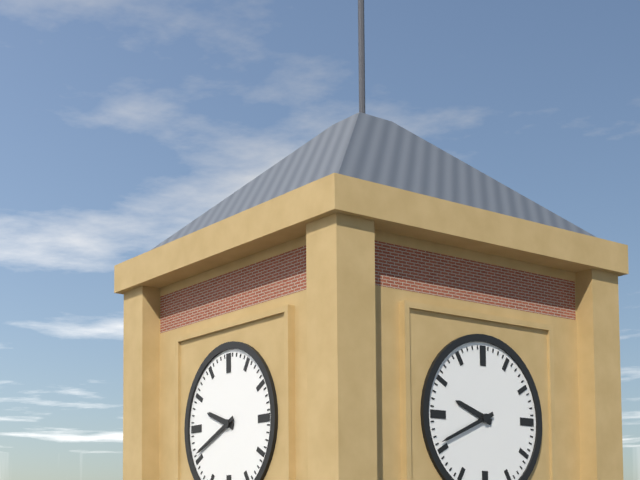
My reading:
**9:41**
